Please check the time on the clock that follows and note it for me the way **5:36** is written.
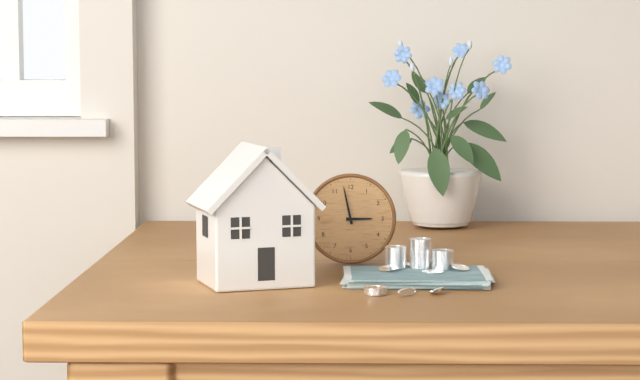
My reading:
**2:58**
